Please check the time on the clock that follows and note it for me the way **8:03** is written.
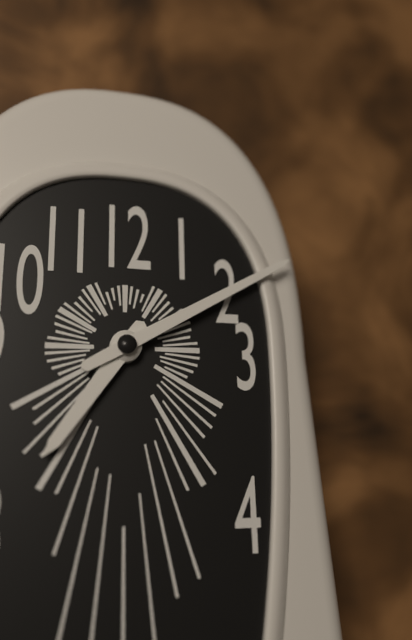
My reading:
**7:10**
